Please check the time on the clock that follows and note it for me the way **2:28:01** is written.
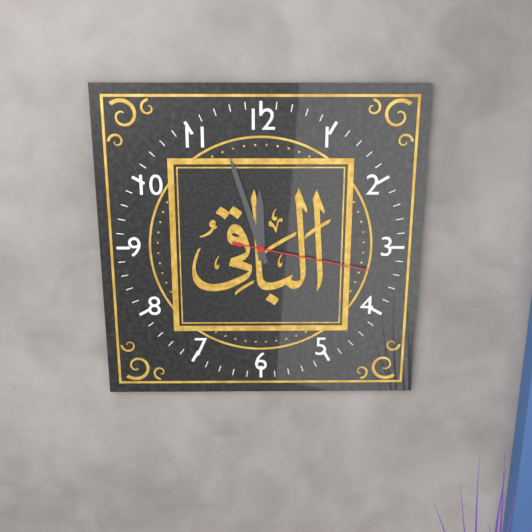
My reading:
**11:57:17**
